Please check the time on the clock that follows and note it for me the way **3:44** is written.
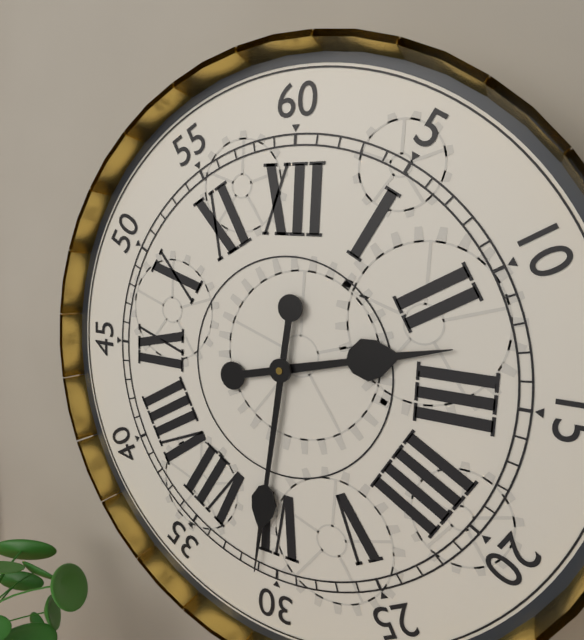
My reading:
**2:31**
